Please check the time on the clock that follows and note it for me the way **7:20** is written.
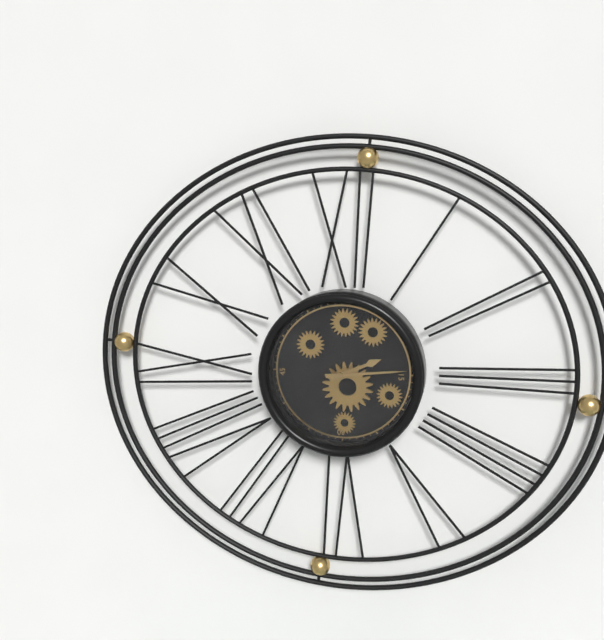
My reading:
**2:14**
